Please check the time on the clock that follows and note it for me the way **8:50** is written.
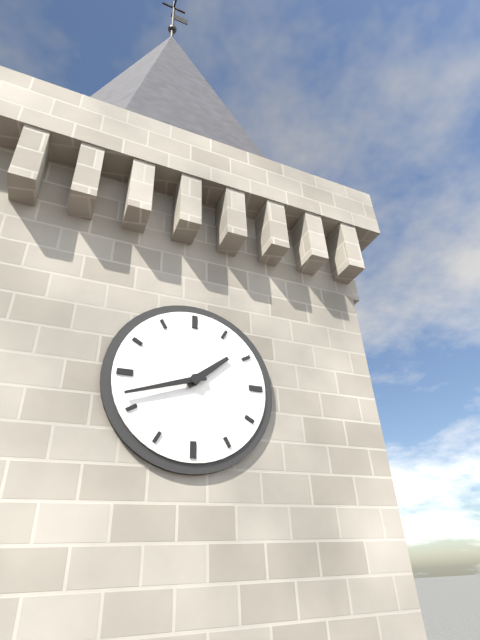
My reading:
**1:42**
